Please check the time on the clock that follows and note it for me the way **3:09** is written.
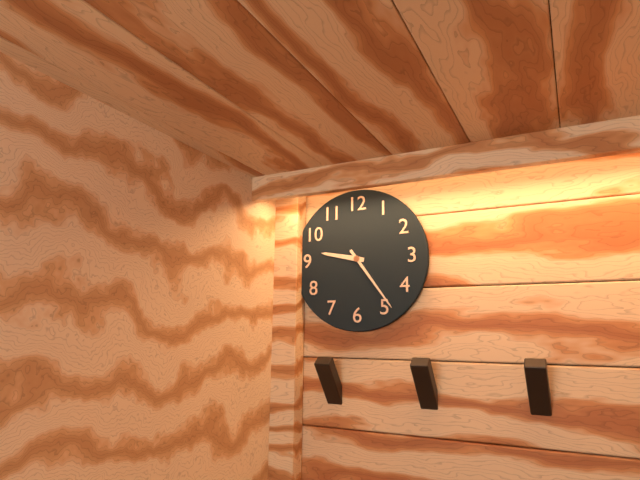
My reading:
**9:24**
